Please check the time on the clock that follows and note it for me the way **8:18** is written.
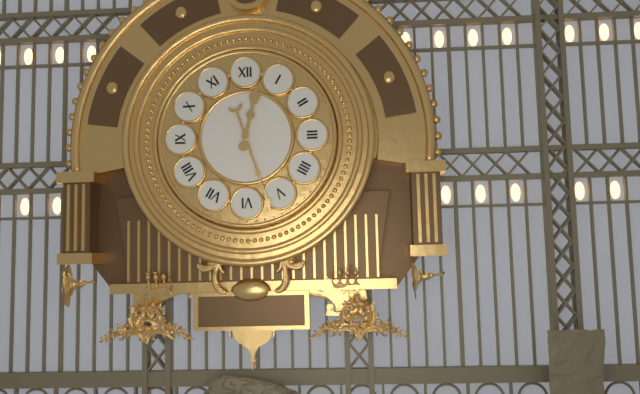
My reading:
**12:27**
